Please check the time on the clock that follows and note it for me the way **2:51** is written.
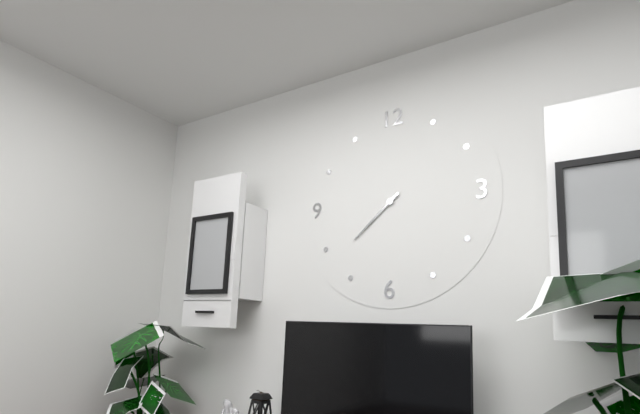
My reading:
**7:38**
